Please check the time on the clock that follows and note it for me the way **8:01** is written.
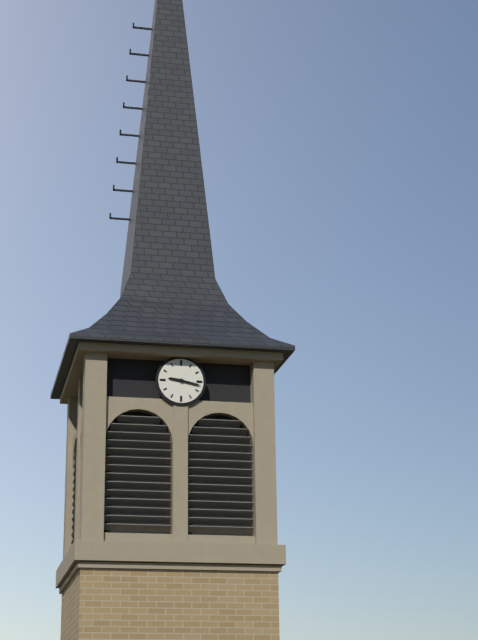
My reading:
**9:17**
